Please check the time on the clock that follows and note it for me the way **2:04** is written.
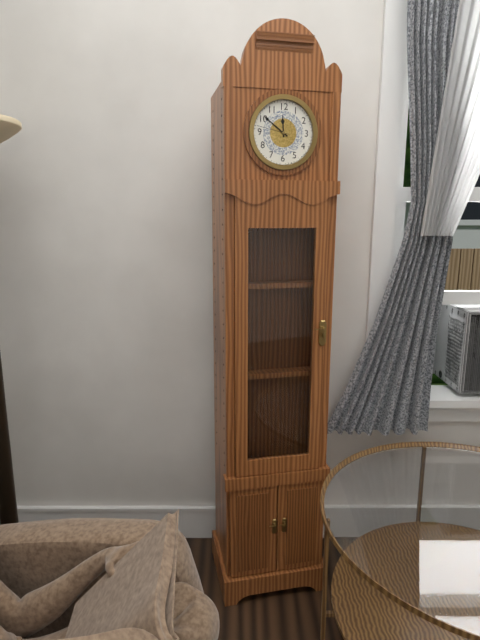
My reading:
**11:51**
